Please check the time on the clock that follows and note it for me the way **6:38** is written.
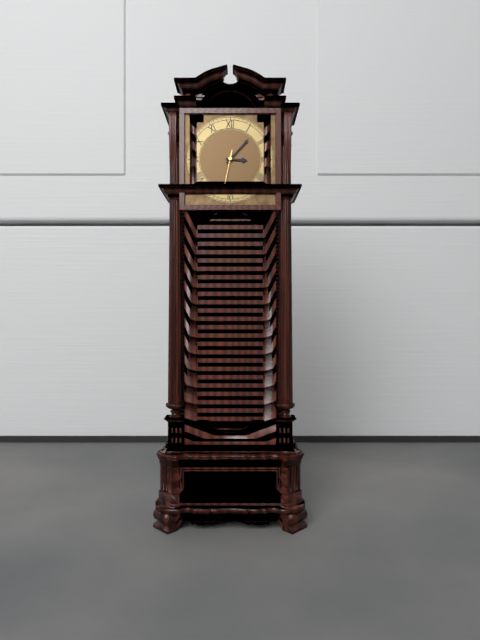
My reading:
**3:07**
